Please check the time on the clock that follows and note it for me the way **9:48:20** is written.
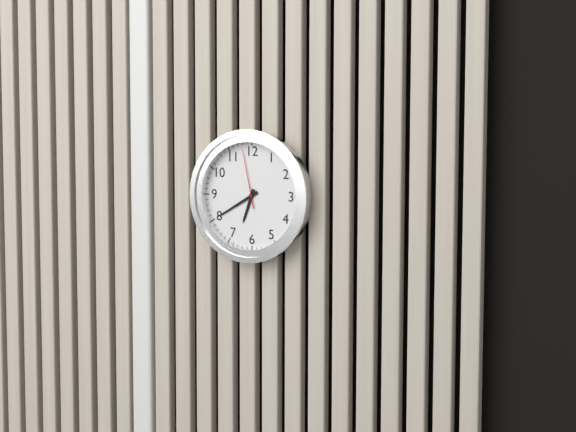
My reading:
**6:40:58**
